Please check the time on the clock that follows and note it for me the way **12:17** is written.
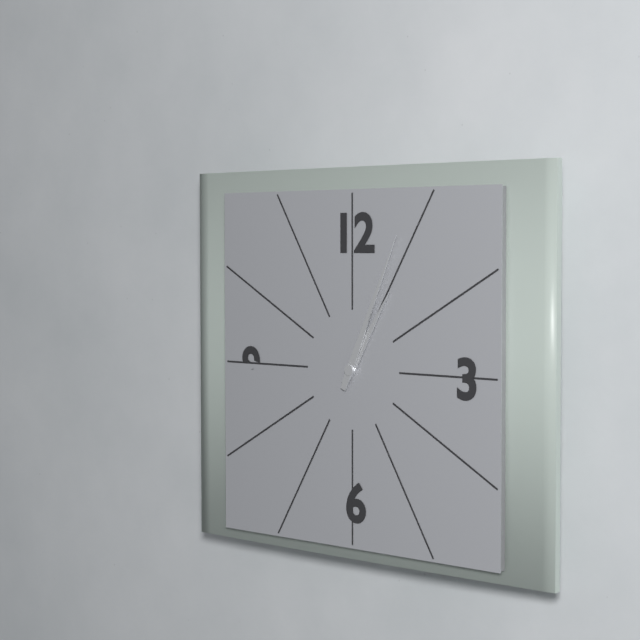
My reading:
**1:04**
